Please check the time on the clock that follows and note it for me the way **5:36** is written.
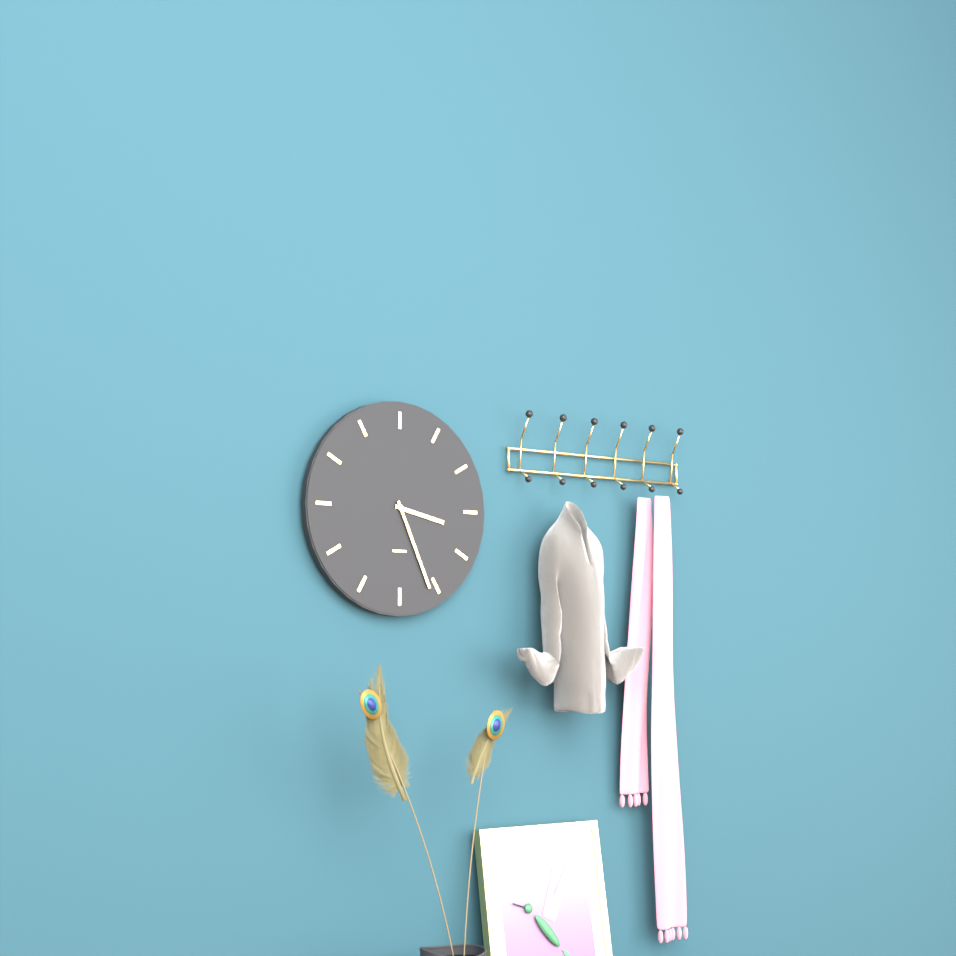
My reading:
**3:26**
